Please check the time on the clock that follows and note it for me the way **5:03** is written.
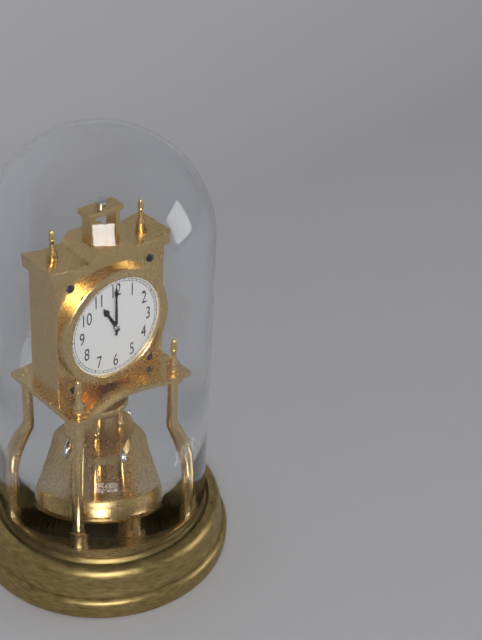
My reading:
**11:00**
